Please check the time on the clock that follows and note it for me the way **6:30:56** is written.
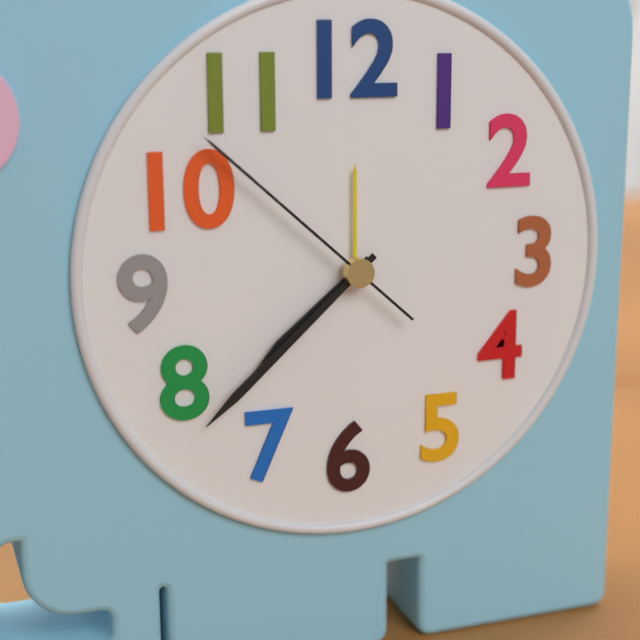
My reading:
**7:38:52**
